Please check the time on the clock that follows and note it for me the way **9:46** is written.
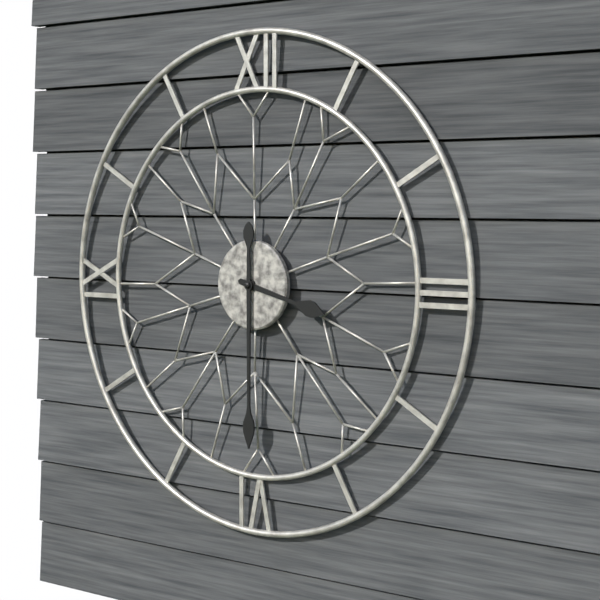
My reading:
**3:30**
